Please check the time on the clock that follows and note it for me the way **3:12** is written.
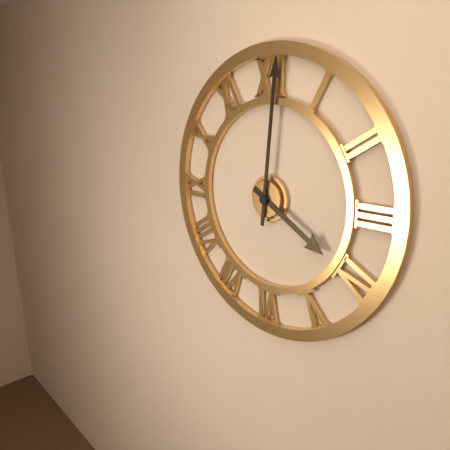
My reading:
**4:01**
